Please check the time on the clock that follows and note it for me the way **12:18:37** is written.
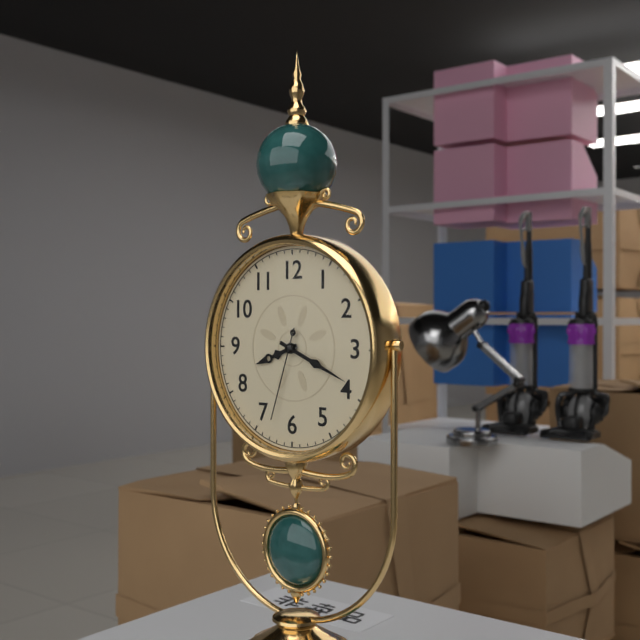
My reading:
**8:19:33**
